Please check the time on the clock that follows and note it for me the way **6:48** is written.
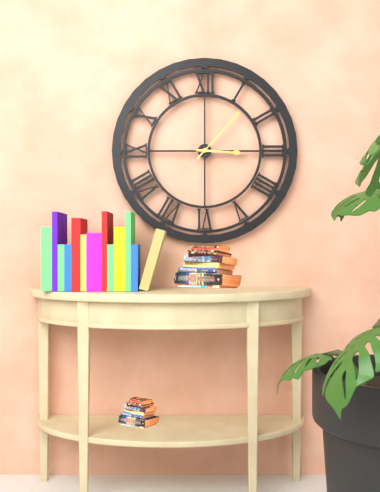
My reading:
**3:07**
